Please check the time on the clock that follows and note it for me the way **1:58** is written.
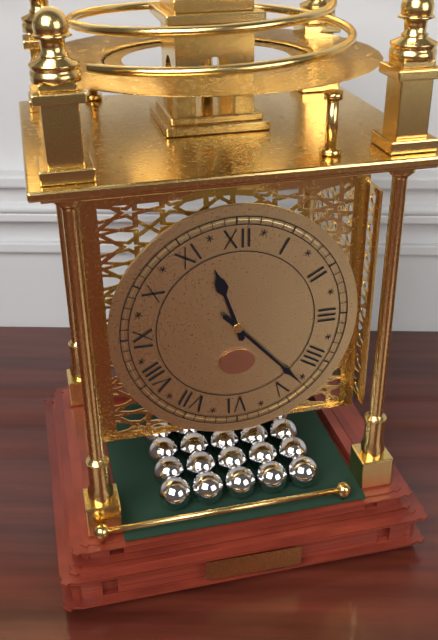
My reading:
**11:23**
